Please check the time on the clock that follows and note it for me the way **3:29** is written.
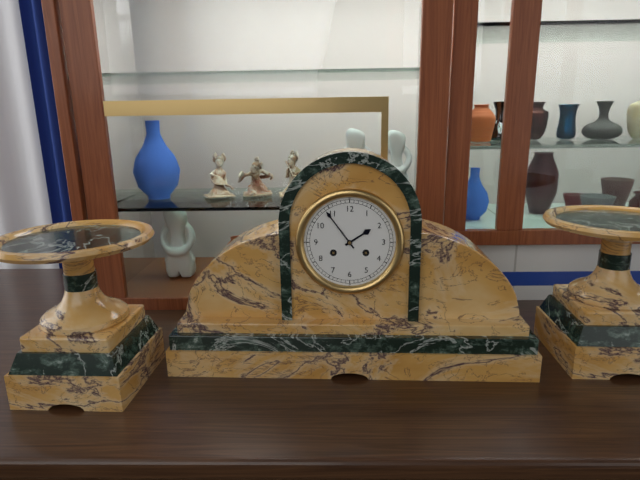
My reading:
**1:54**
